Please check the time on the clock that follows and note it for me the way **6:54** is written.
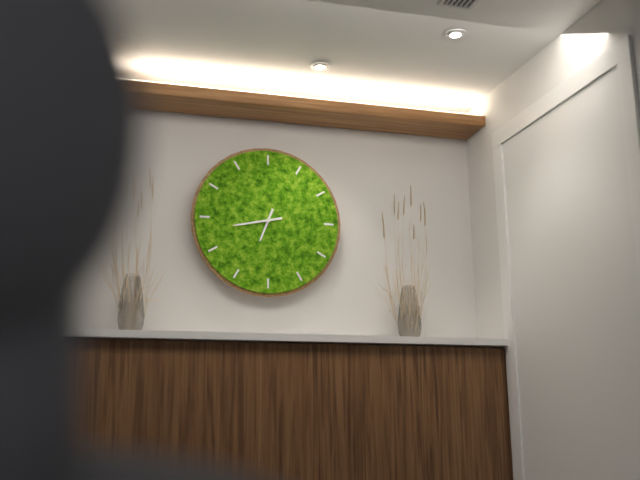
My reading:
**6:43**
